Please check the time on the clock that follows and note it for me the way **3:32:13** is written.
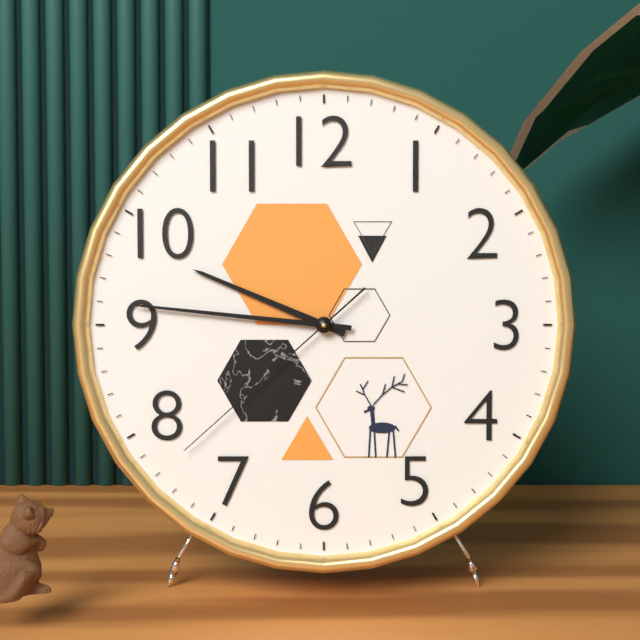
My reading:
**9:46:38**
